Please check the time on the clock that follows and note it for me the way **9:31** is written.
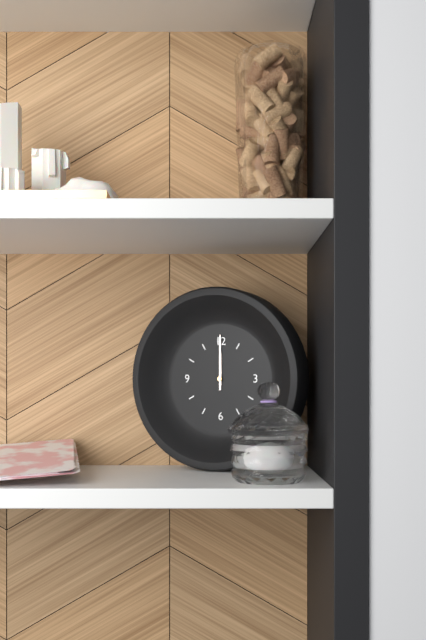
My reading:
**12:00**
